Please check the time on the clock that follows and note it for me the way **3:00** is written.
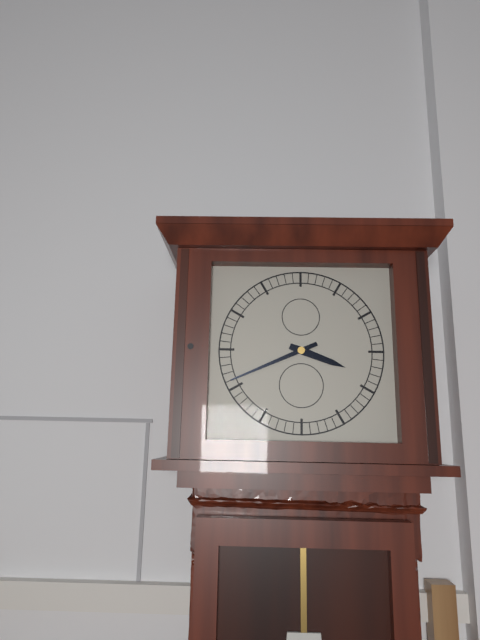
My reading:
**3:41**
